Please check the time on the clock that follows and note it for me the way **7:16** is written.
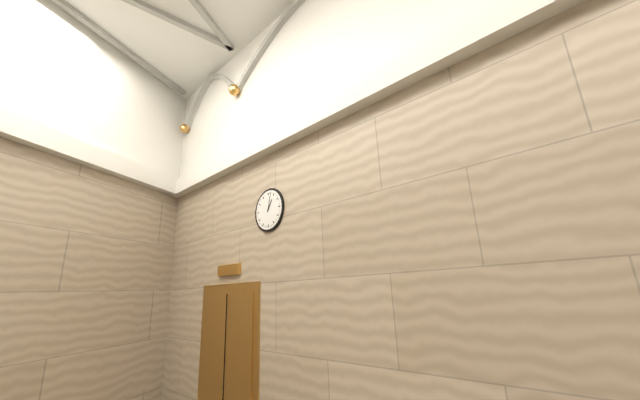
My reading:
**1:02**
